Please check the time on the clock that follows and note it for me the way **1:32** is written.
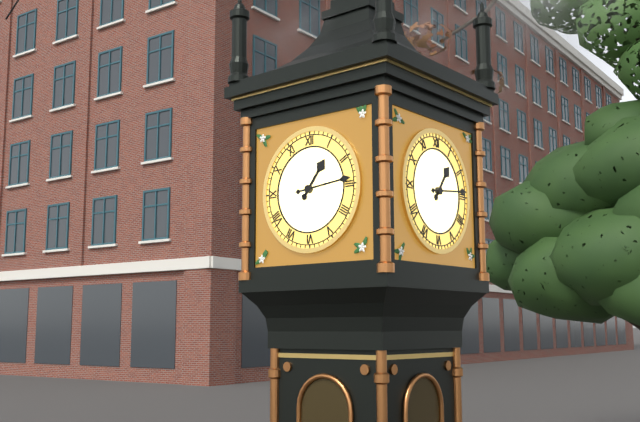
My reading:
**1:14**
